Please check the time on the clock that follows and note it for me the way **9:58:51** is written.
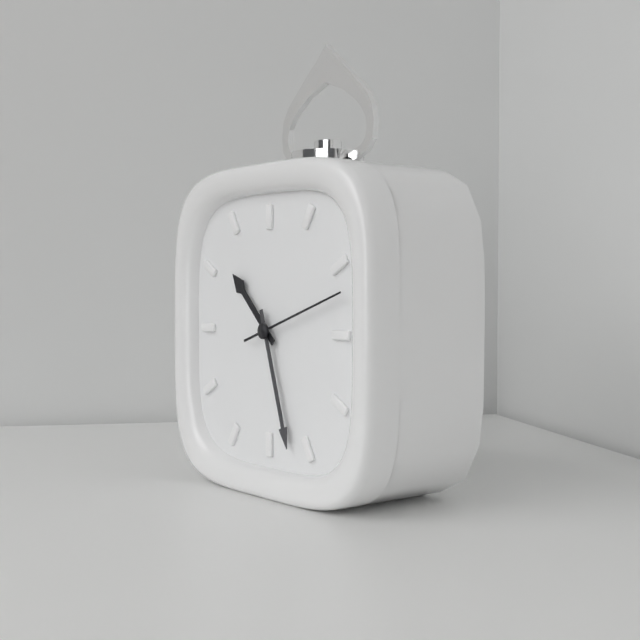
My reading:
**10:27:12**
